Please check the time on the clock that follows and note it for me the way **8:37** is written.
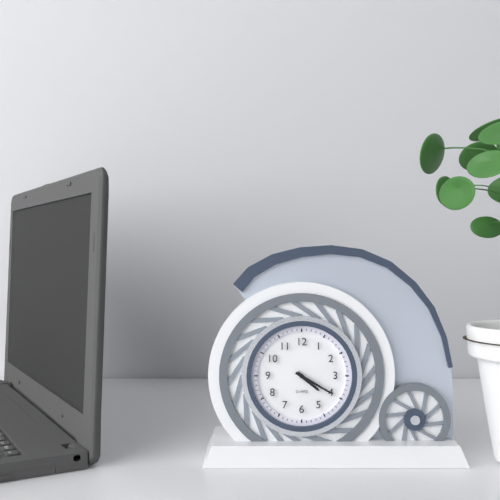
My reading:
**4:20**
